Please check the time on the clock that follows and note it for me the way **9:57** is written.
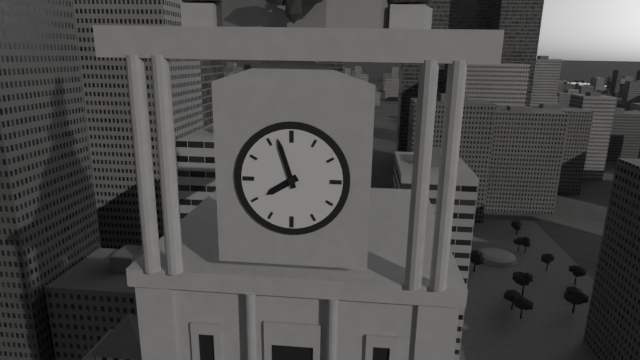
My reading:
**7:57**
